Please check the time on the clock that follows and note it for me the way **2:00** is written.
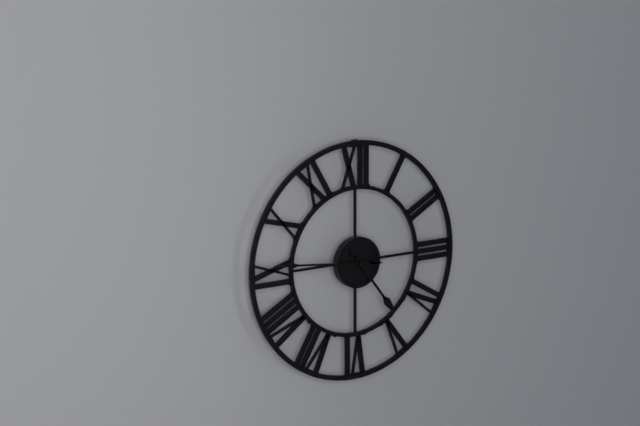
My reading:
**4:46**
